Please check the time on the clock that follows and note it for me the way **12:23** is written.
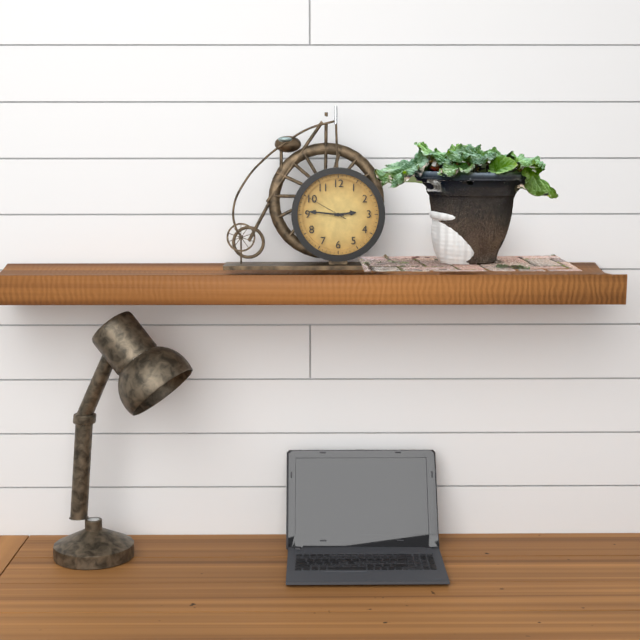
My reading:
**2:46**
